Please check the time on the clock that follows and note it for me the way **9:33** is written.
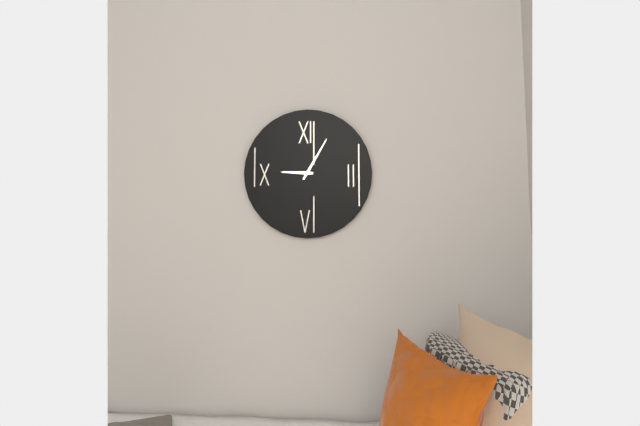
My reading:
**9:05**
